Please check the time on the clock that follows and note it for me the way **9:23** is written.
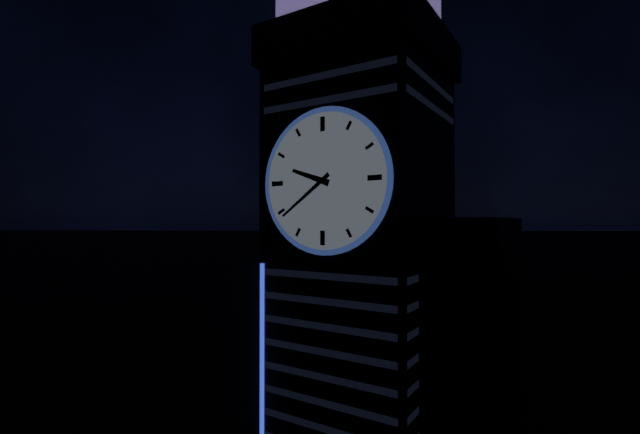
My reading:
**9:39**
